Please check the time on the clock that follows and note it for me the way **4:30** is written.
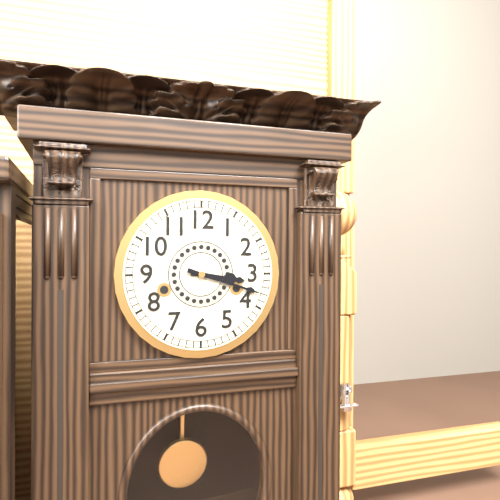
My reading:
**3:18**
